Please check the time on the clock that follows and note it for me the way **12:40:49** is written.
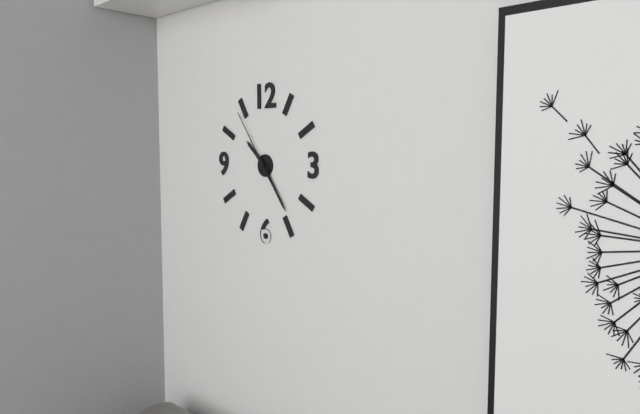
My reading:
**10:24:54**
